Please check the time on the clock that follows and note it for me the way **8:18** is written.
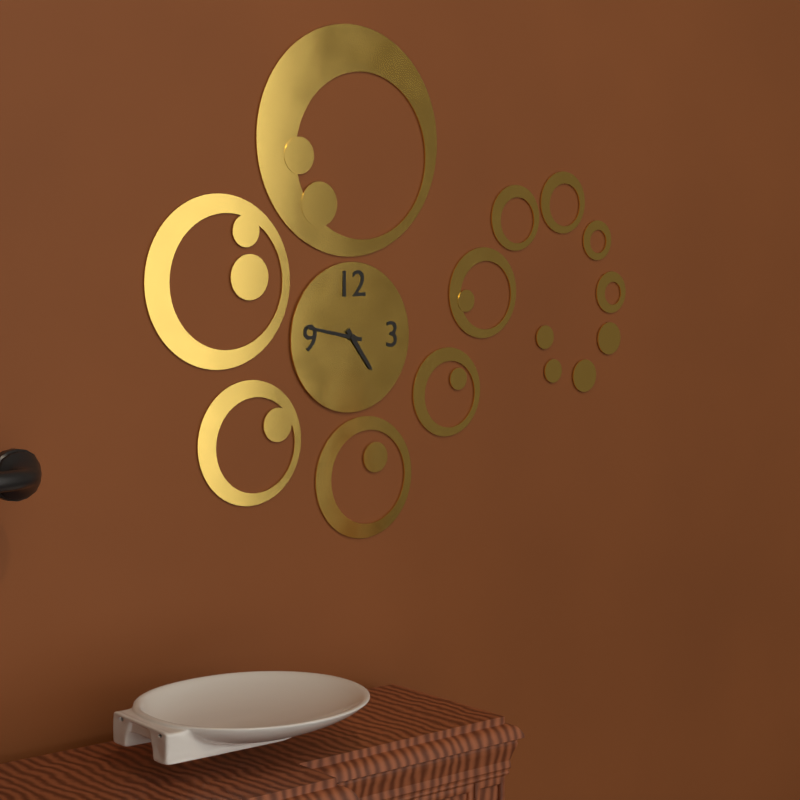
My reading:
**4:47**
